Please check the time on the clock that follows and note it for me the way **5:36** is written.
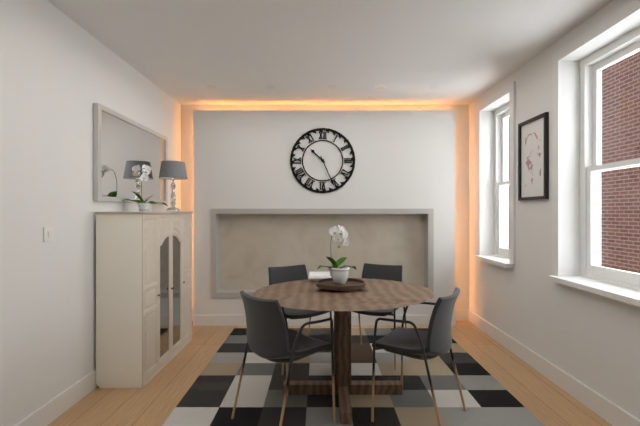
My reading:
**10:26**
